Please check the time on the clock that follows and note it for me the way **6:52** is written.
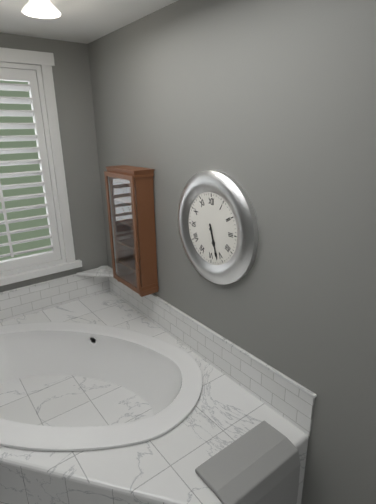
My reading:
**5:27**
